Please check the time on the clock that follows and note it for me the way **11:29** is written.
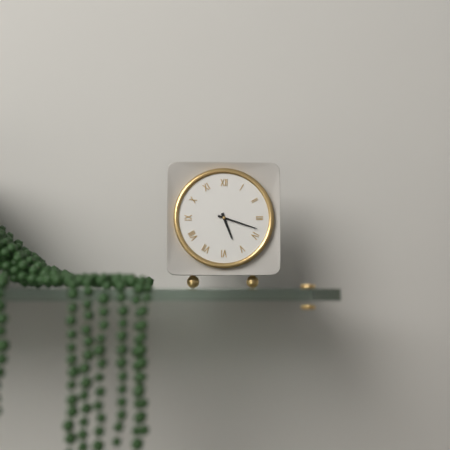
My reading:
**5:18**
